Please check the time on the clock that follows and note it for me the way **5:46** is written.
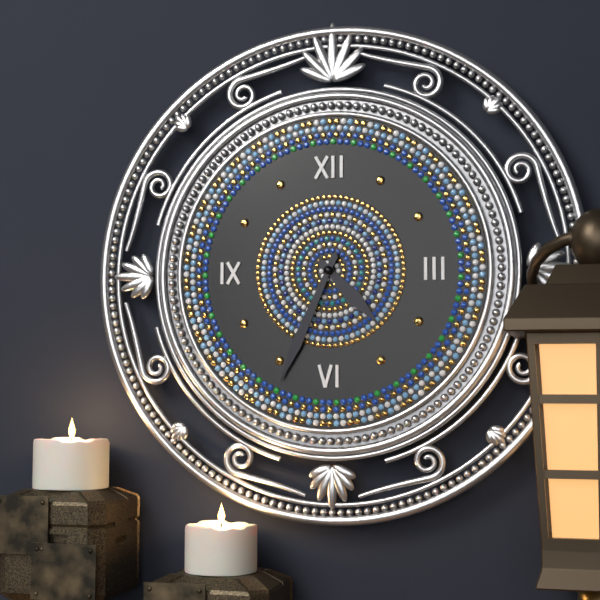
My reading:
**4:34**
